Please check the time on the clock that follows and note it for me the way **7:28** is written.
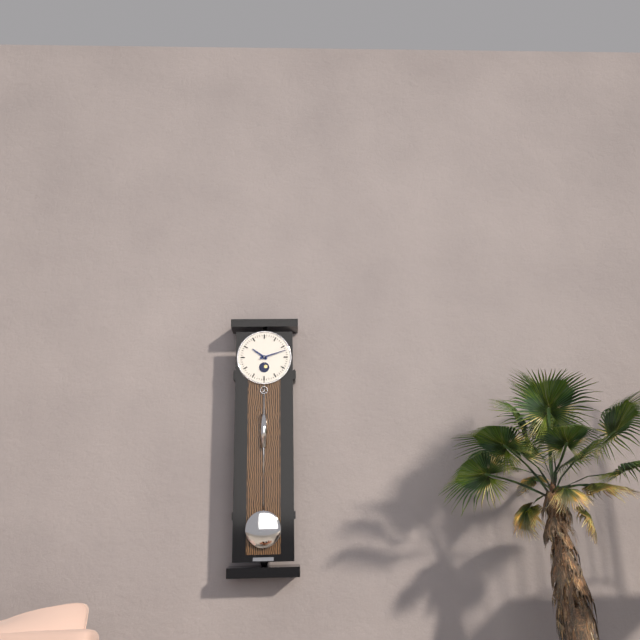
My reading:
**10:12**
